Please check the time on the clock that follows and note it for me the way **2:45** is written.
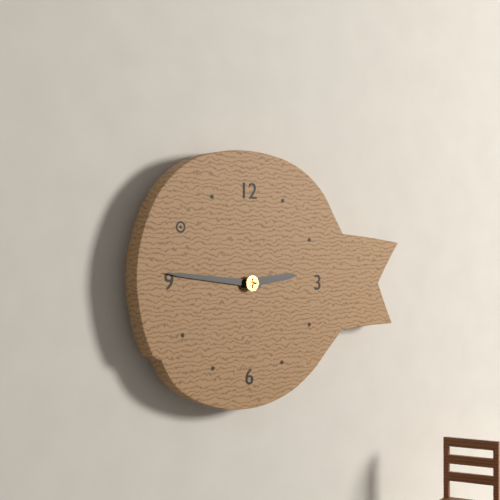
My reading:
**2:46**
